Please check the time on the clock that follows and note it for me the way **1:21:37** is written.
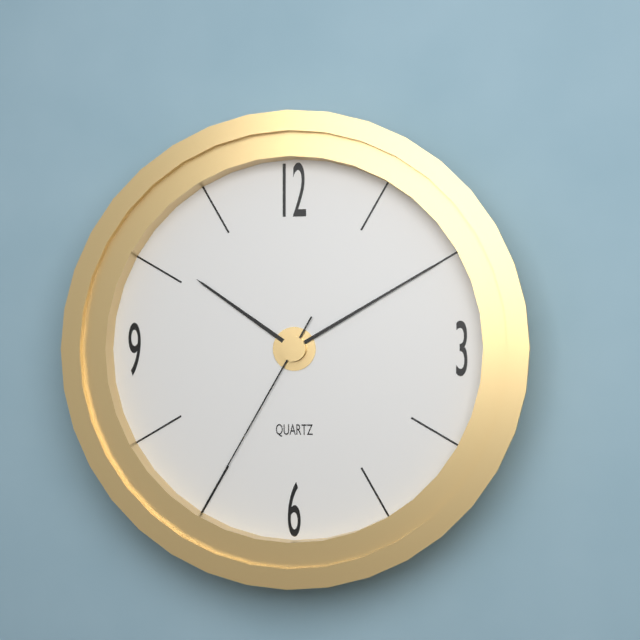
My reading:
**10:10:35**
